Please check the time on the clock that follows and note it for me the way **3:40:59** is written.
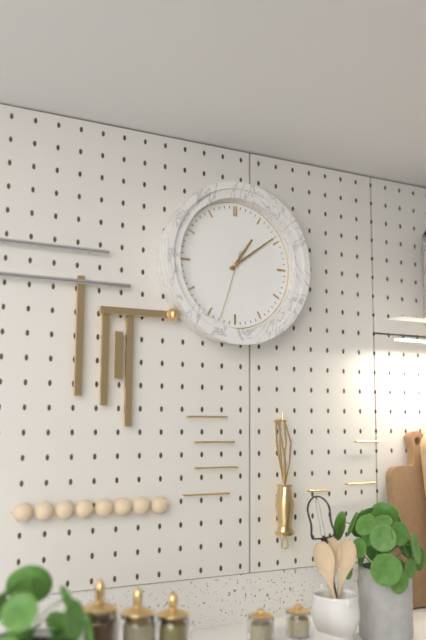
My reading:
**1:09:33**
